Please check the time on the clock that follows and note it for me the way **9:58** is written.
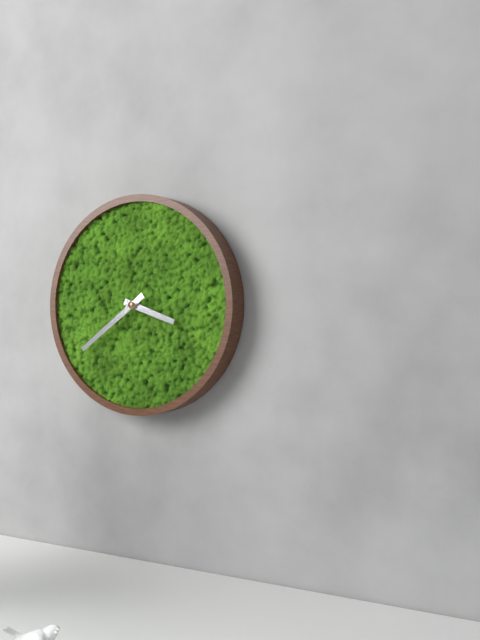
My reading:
**3:39**
